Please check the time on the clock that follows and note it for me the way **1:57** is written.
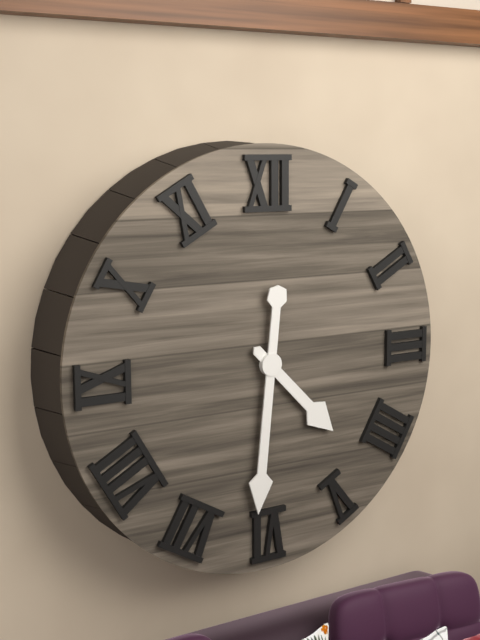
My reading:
**4:31**
